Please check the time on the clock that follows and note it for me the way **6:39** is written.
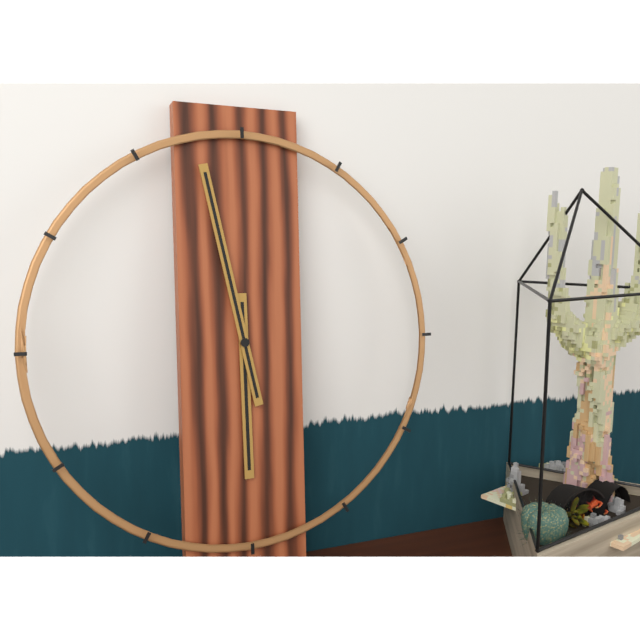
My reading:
**5:58**
